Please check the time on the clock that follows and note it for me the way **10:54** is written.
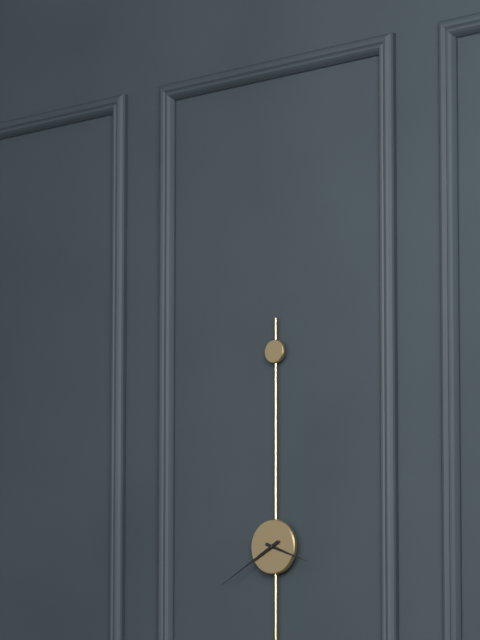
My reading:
**3:40**
